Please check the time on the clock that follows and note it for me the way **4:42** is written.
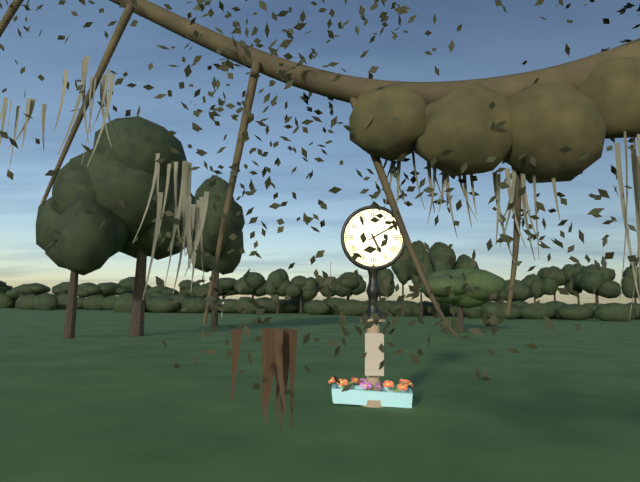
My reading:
**5:10**
